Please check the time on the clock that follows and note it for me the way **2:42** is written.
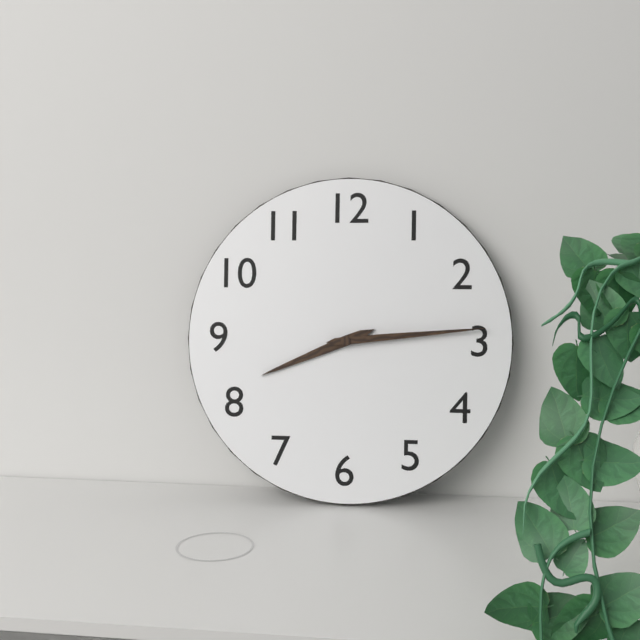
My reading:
**8:14**
